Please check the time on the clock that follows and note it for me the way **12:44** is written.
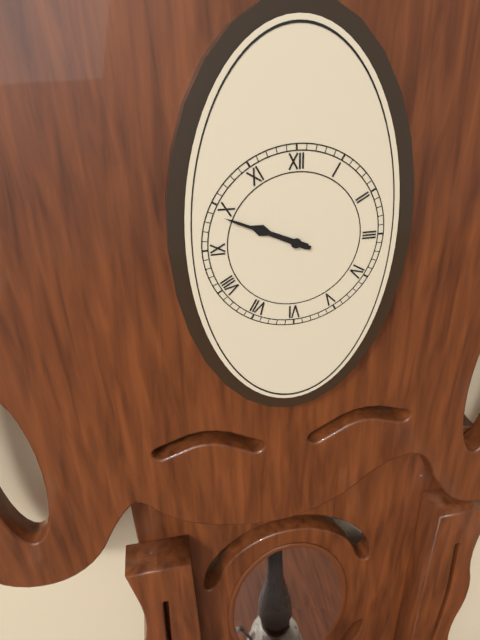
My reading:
**9:49**
